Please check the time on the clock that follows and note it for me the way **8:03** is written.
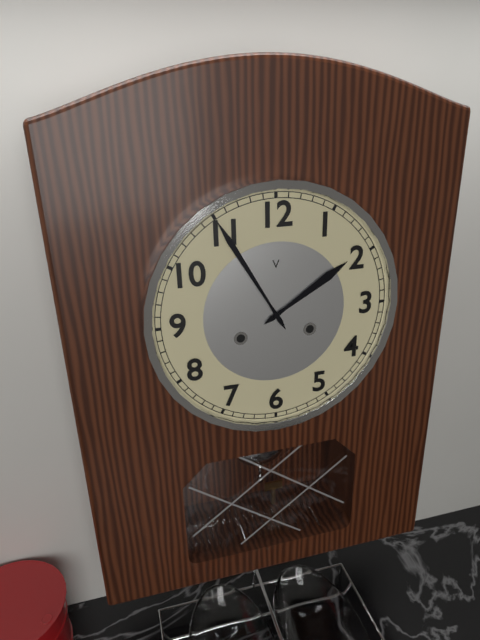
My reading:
**1:55**
